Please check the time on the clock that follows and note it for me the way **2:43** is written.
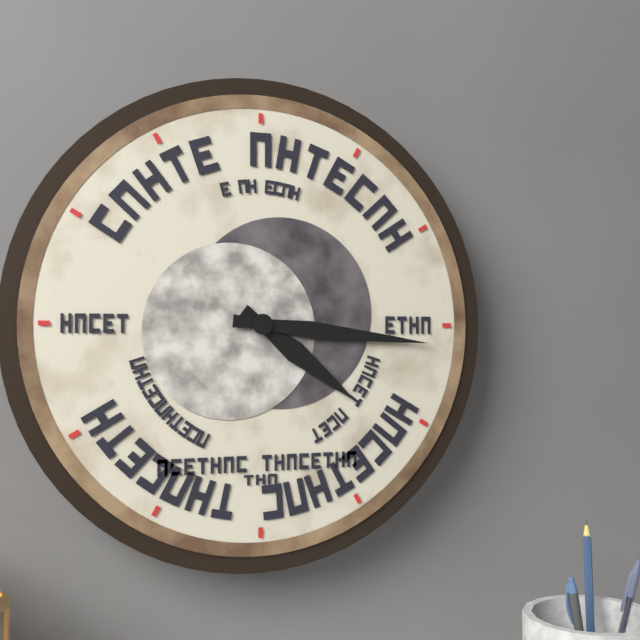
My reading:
**4:16**
